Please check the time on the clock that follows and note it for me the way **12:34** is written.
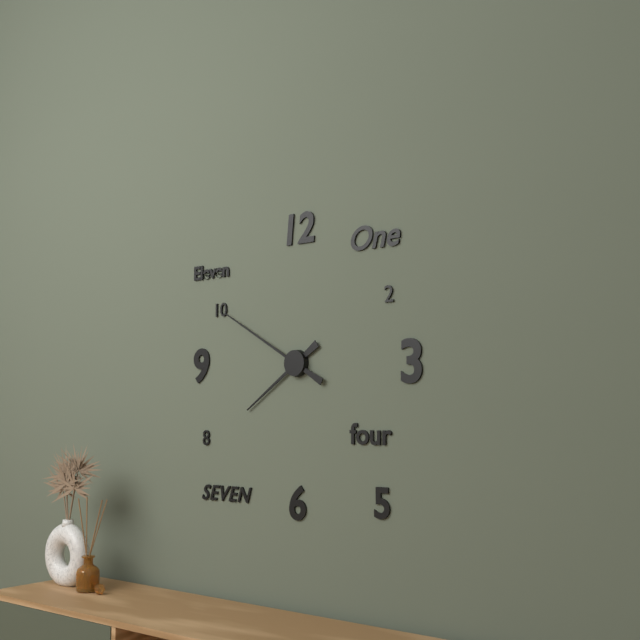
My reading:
**7:50**
